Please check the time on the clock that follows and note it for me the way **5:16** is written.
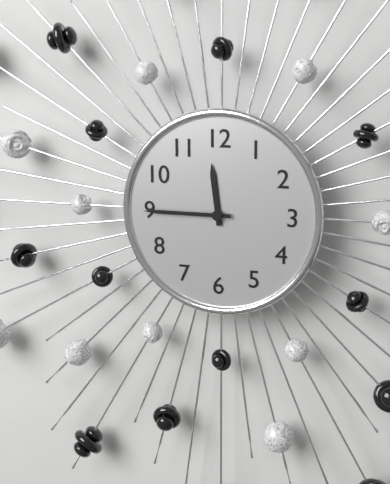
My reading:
**11:45**
